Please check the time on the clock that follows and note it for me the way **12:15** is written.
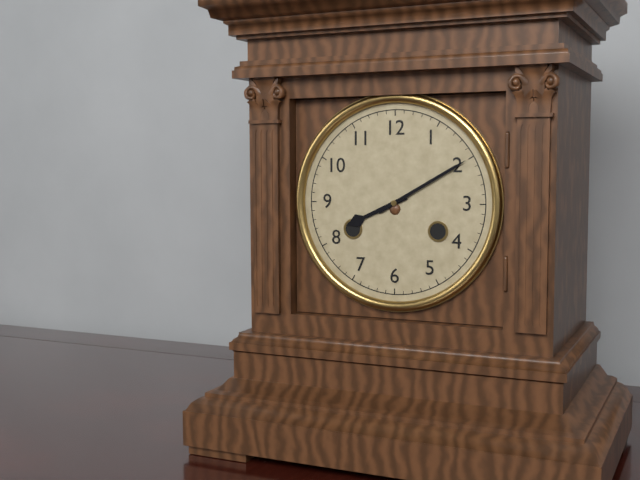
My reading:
**8:10**
